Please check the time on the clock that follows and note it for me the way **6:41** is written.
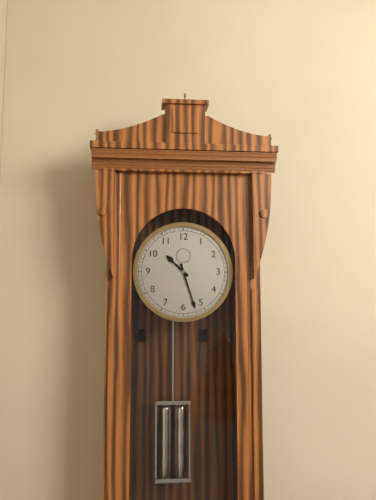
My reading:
**10:27**
